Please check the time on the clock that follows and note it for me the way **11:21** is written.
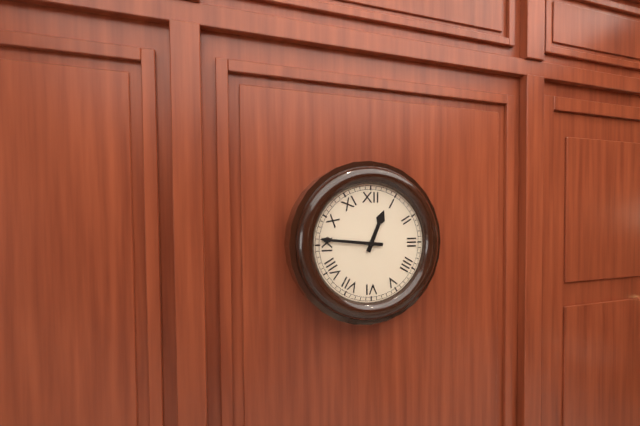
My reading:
**12:46**
